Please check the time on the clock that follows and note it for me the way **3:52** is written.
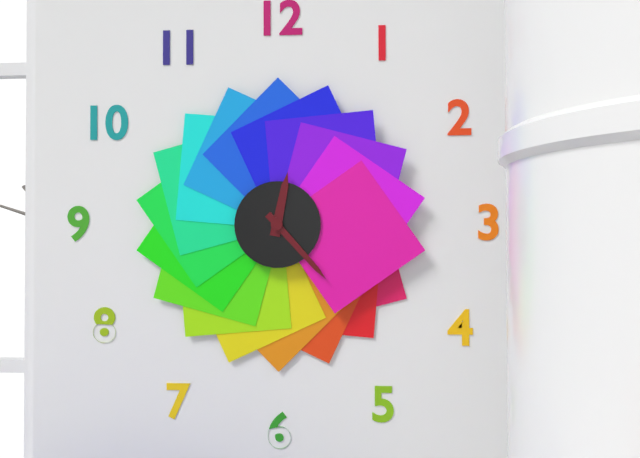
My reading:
**12:23**
